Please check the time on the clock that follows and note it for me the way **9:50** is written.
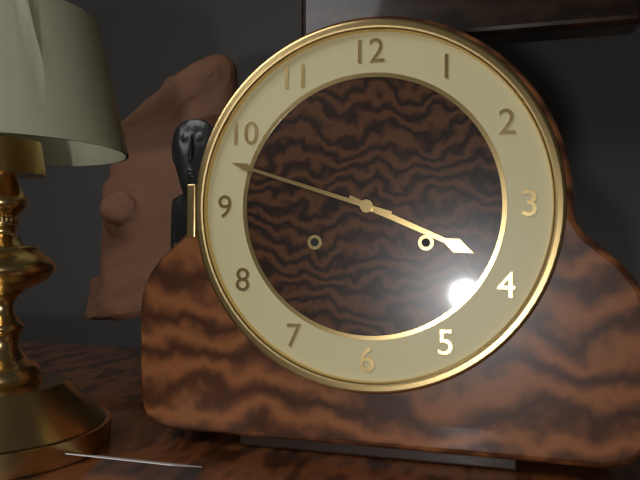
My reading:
**3:48**
